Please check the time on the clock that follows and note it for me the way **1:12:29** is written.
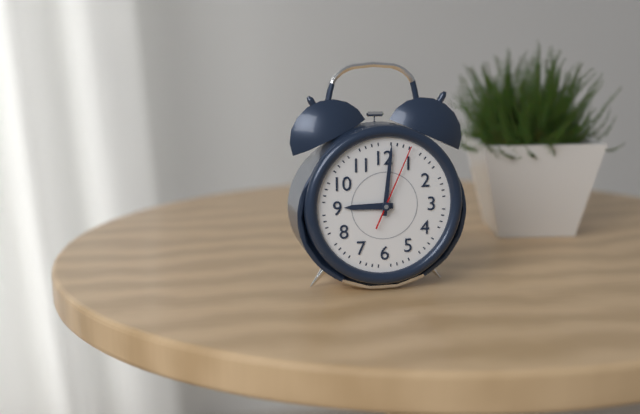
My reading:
**9:01:04**
